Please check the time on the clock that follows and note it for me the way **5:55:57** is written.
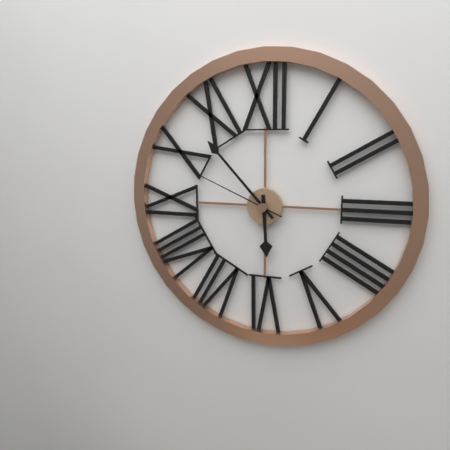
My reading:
**5:53:49**
